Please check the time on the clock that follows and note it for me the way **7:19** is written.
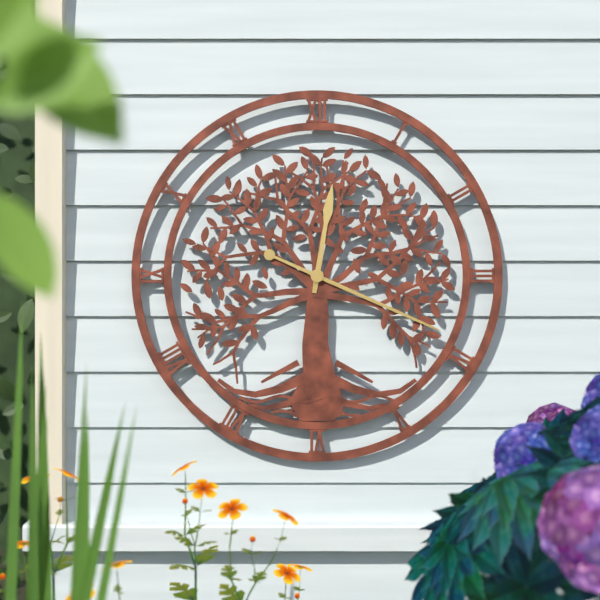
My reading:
**12:19**
